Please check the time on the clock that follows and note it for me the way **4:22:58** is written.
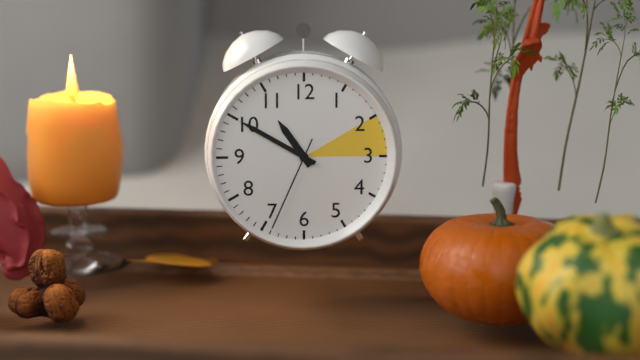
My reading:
**10:50:34**
